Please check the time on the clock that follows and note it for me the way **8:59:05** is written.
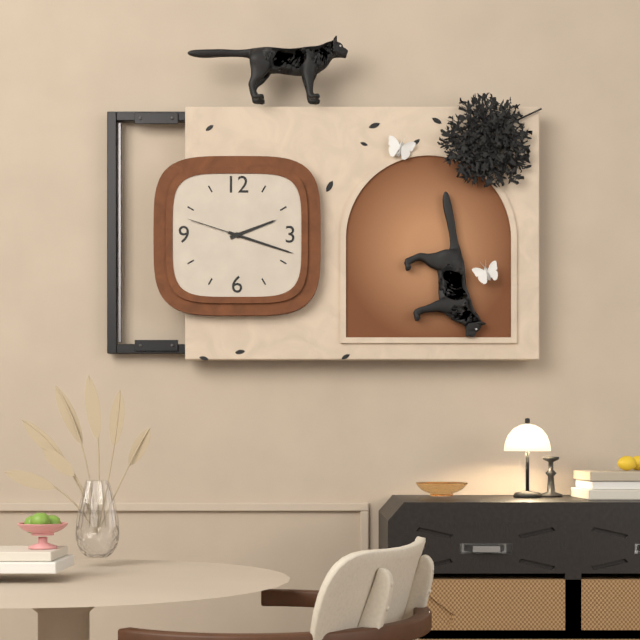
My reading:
**2:18:48**
